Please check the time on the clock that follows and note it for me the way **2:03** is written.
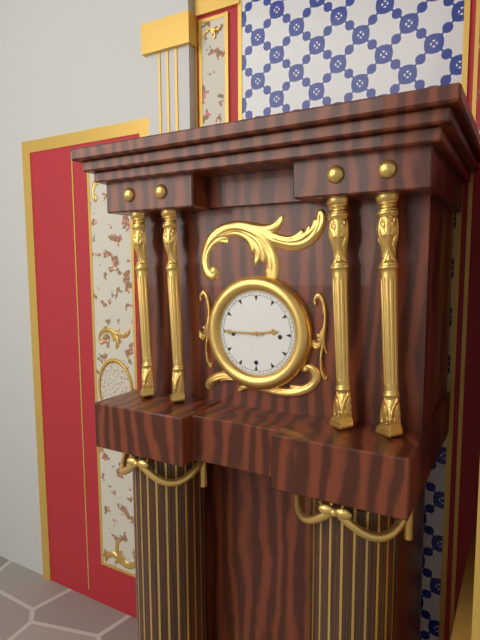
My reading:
**2:45**
